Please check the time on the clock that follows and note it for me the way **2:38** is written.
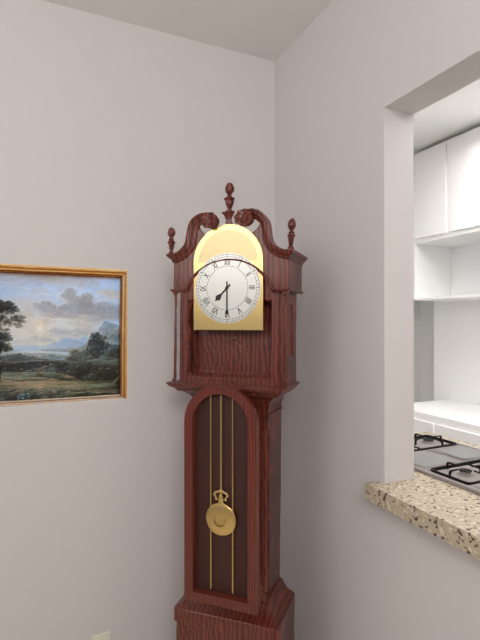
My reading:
**7:30**
